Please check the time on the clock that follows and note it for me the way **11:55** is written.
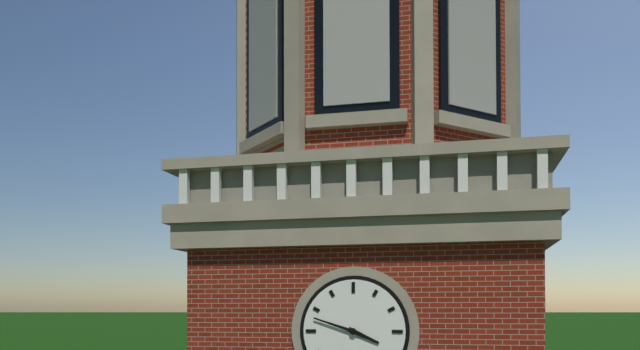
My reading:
**3:48**
